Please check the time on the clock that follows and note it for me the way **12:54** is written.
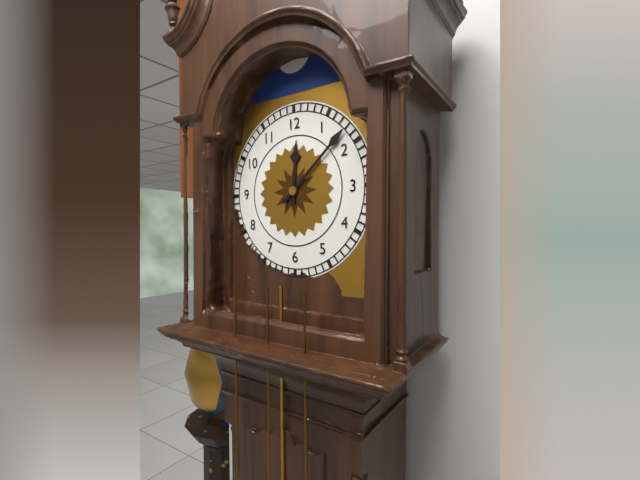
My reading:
**12:08**
